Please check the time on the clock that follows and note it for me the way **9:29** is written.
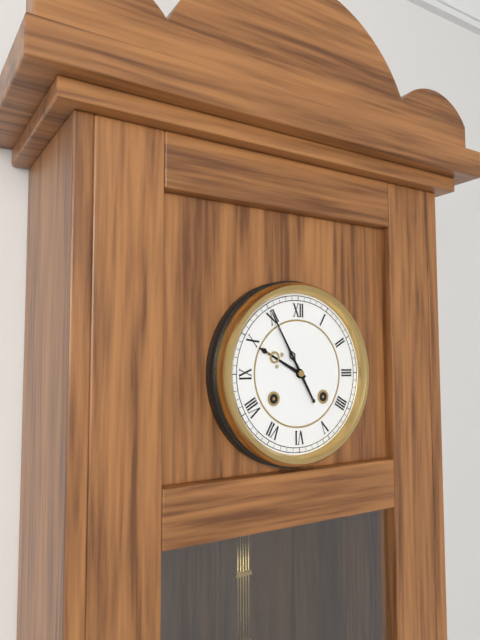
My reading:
**9:55**
